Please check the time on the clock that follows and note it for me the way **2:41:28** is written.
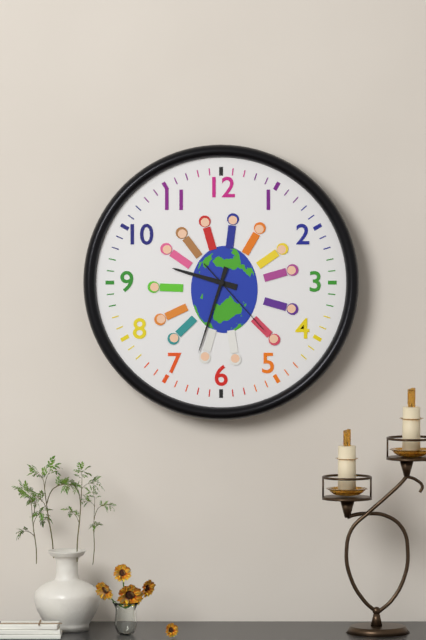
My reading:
**9:33:23**
